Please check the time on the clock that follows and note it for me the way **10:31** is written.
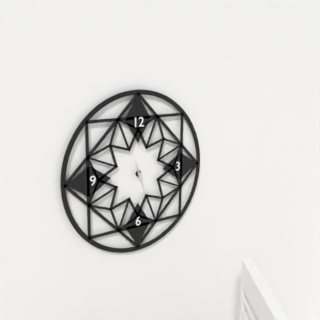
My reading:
**11:27**
